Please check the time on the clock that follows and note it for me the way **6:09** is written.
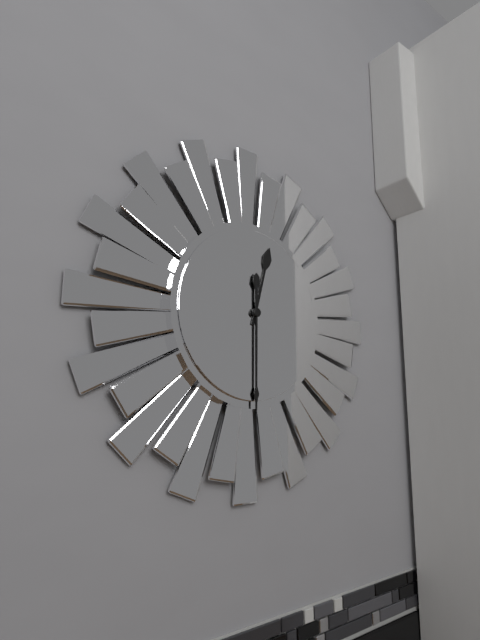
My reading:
**12:30**
